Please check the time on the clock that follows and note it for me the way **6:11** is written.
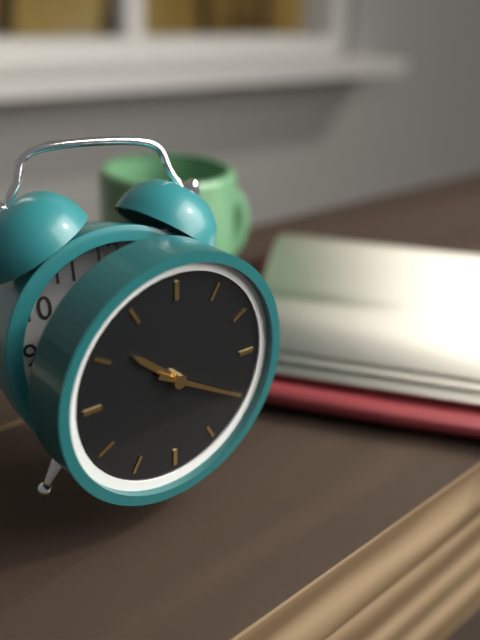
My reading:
**10:20**
